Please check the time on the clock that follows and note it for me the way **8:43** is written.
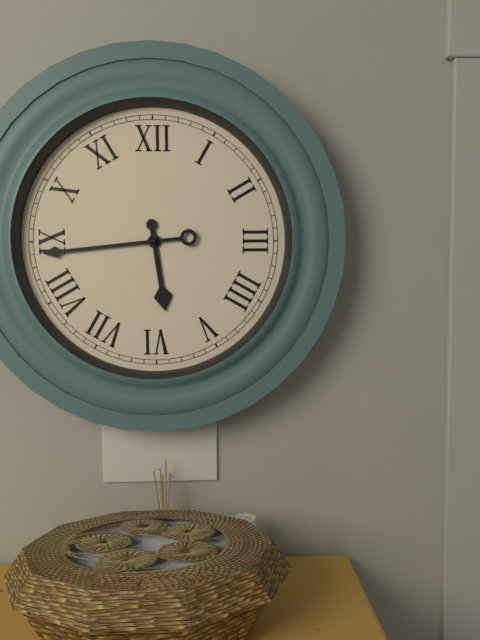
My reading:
**5:44**
